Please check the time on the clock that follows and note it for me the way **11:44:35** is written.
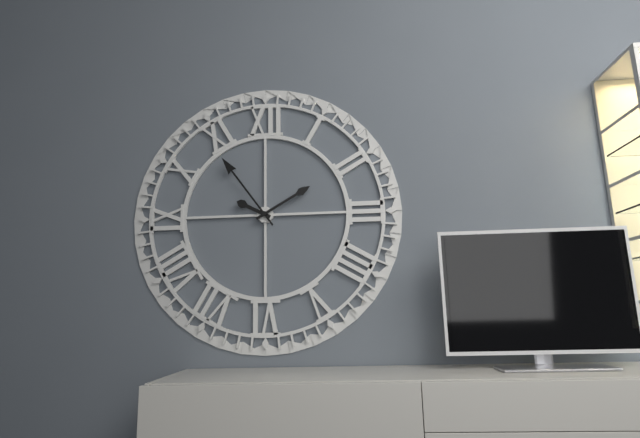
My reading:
**9:54:10**
